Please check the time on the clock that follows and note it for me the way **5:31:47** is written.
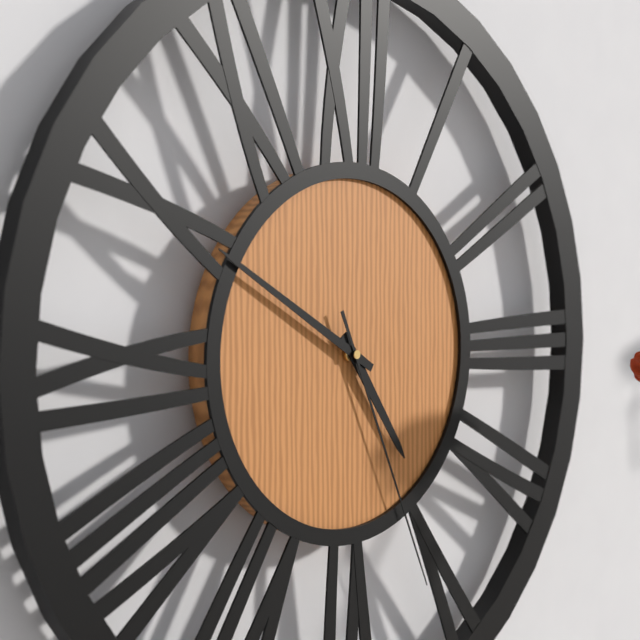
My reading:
**4:50:26**
